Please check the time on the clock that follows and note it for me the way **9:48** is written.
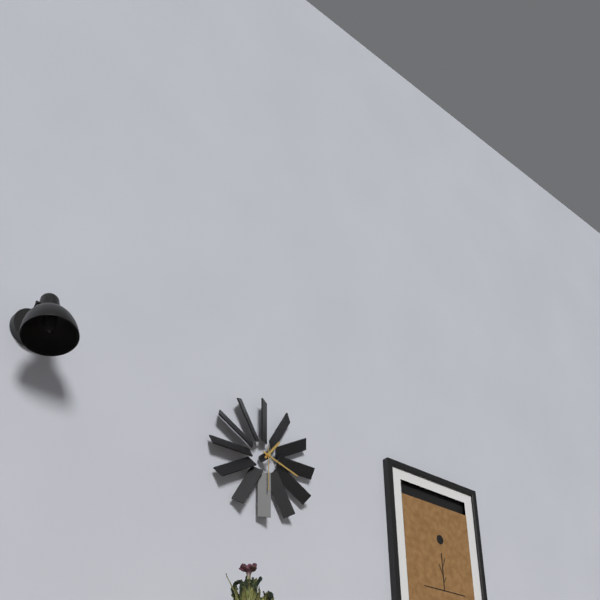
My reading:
**1:18**
